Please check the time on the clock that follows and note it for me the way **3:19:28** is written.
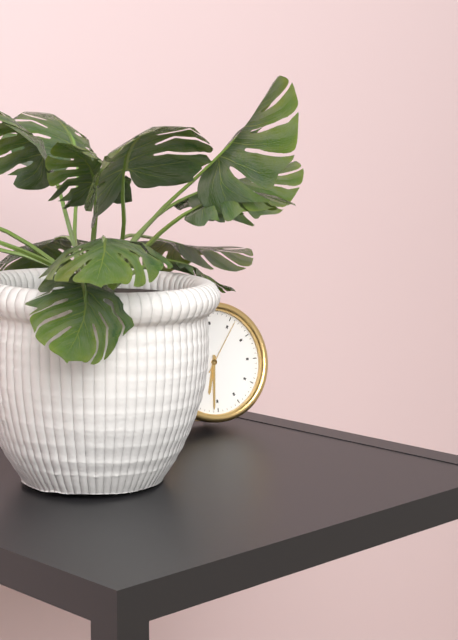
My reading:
**6:31:06**
